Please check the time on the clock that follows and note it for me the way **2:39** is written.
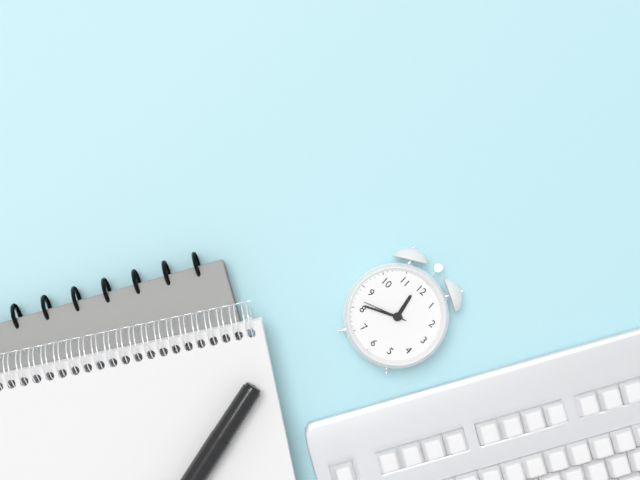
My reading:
**11:41**
